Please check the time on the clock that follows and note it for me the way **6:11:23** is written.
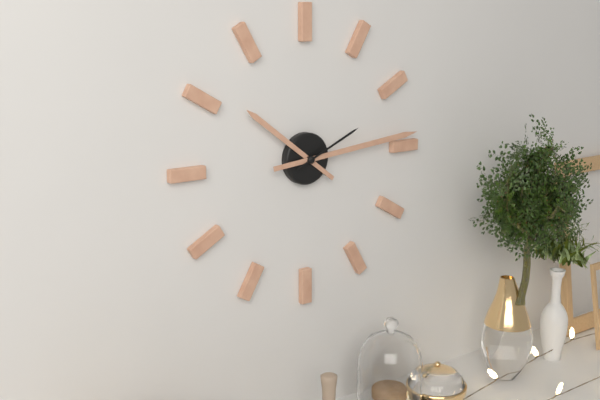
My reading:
**10:14:11**
